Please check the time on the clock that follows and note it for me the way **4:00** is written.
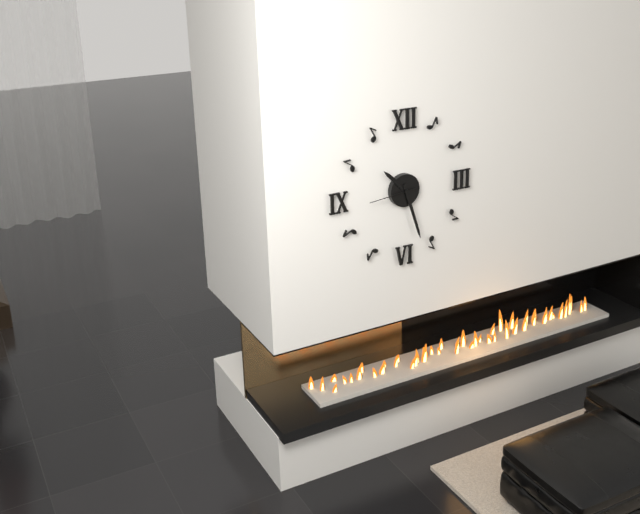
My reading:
**10:27**
